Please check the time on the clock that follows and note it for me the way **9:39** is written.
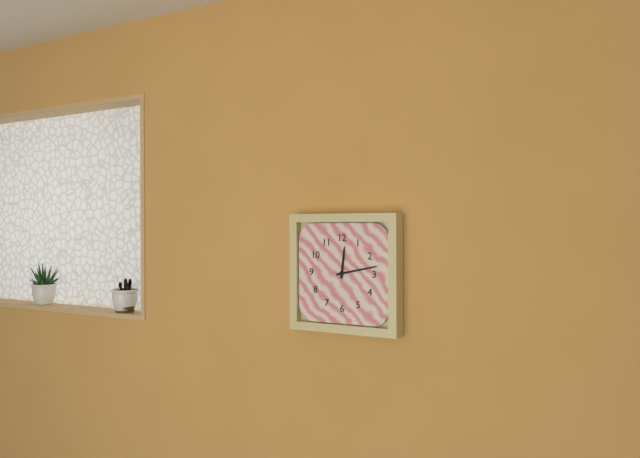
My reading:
**12:13**
